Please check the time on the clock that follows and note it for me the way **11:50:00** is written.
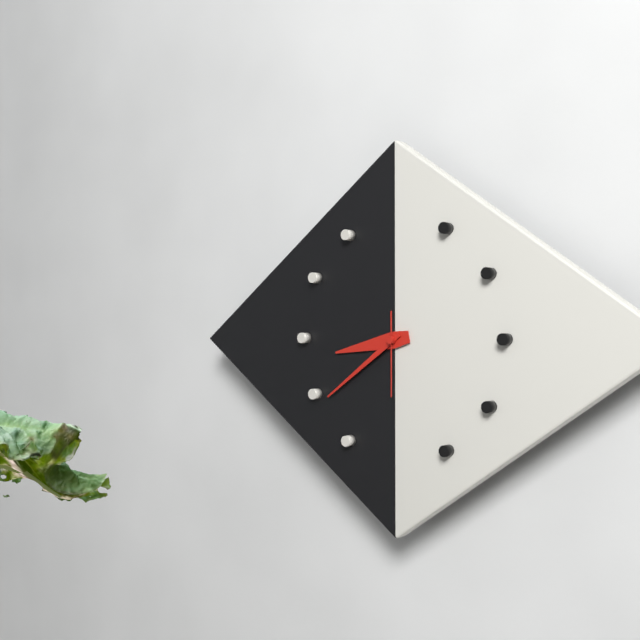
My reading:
**8:39:30**
